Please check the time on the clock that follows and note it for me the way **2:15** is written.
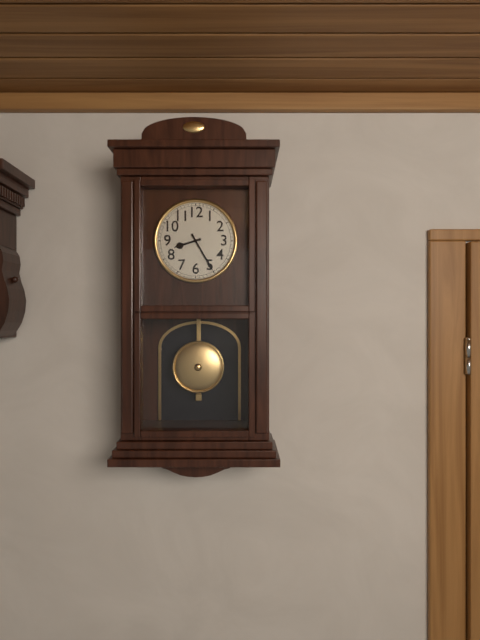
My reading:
**8:25**
